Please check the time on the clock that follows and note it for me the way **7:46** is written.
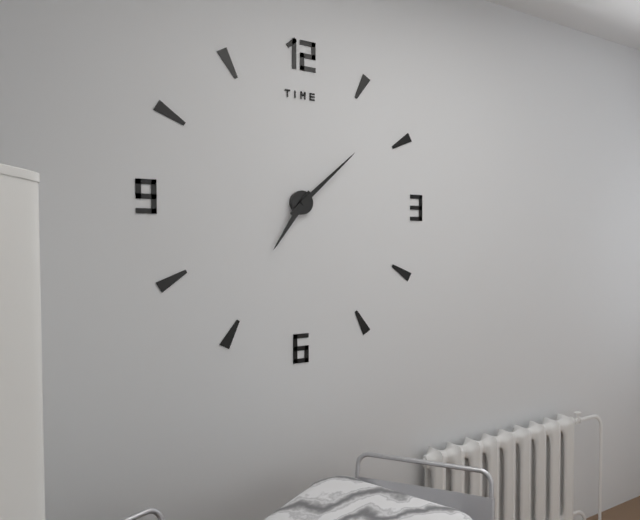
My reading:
**7:08**
